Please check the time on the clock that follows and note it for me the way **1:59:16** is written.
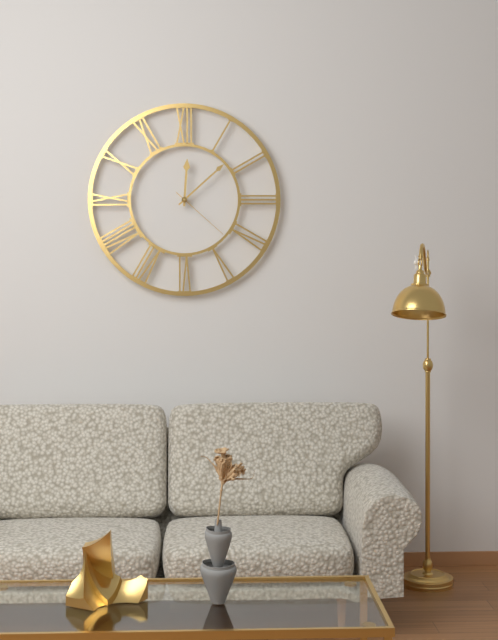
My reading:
**12:08:22**
